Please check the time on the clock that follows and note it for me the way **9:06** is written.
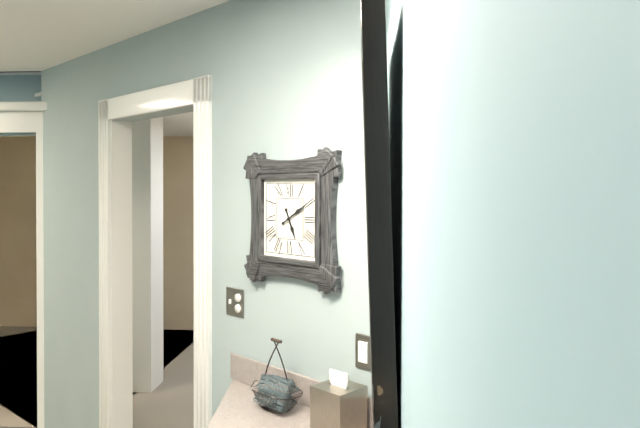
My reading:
**5:10**
